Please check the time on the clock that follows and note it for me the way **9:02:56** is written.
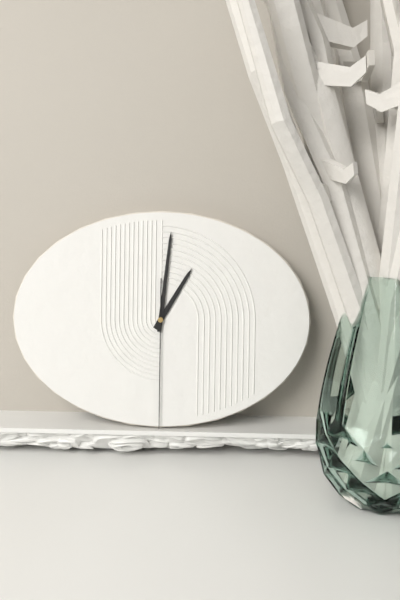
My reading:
**1:01:30**
